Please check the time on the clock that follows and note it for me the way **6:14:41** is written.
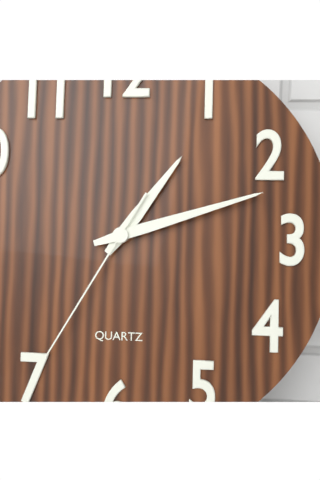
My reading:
**1:12:35**
